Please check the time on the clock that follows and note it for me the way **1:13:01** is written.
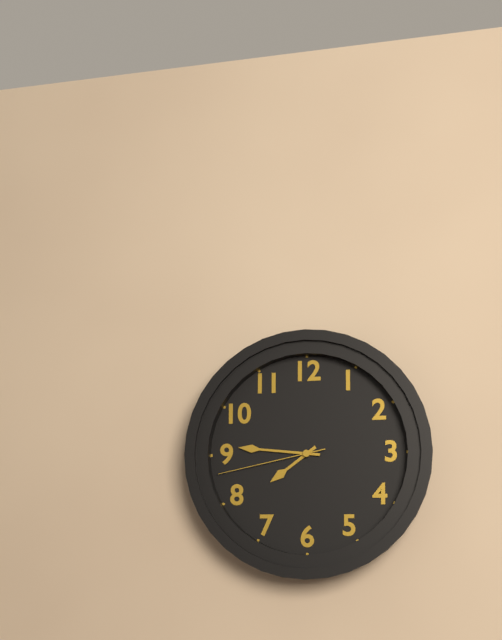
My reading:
**7:46:43**
